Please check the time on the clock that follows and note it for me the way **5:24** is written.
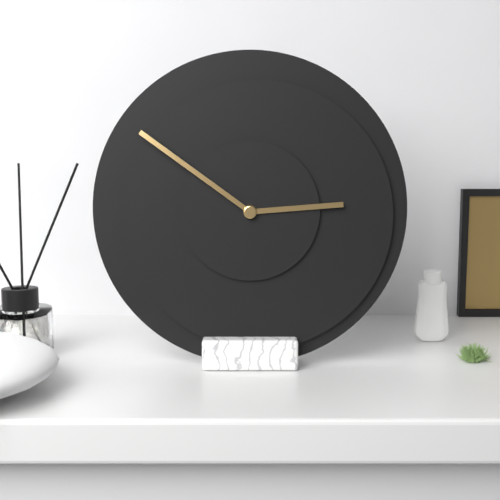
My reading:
**2:51**
